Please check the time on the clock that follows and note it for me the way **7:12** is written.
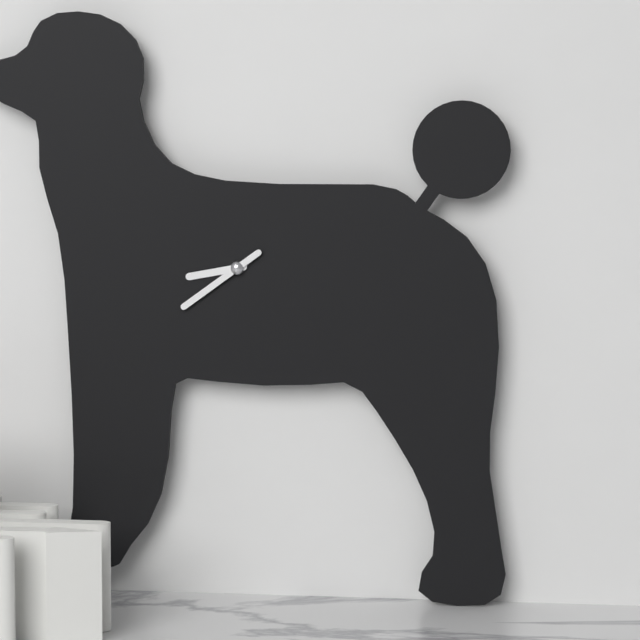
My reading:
**8:39**
